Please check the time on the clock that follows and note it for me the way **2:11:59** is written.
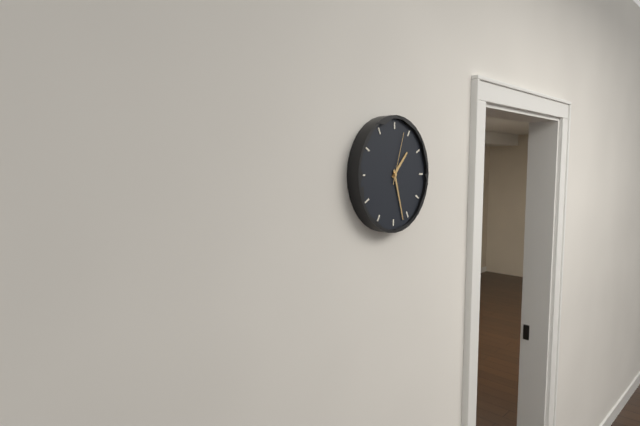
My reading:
**1:27:03**
